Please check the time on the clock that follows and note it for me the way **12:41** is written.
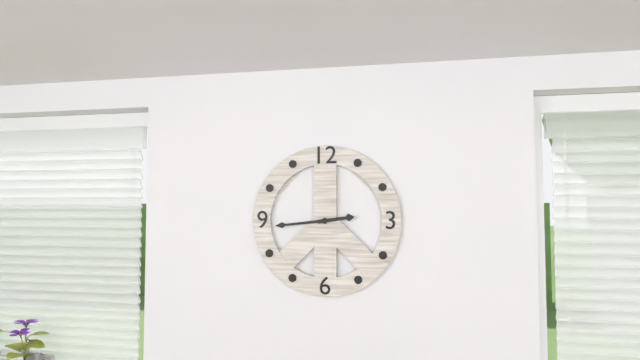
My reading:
**2:44**
